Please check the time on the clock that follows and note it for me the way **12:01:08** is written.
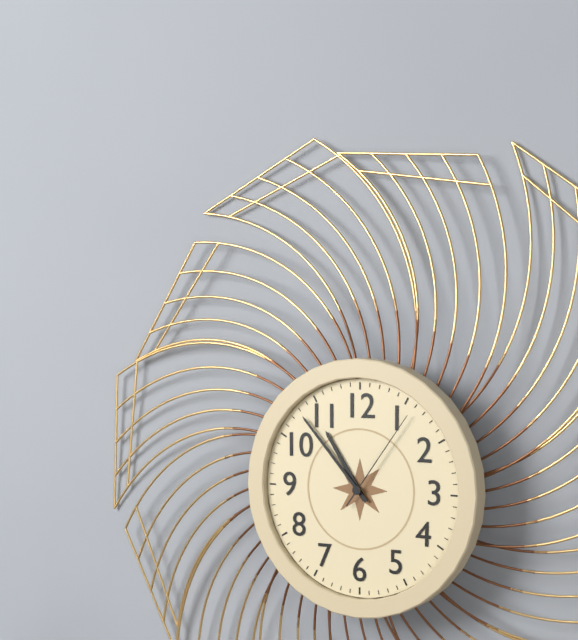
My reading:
**10:53:06**
